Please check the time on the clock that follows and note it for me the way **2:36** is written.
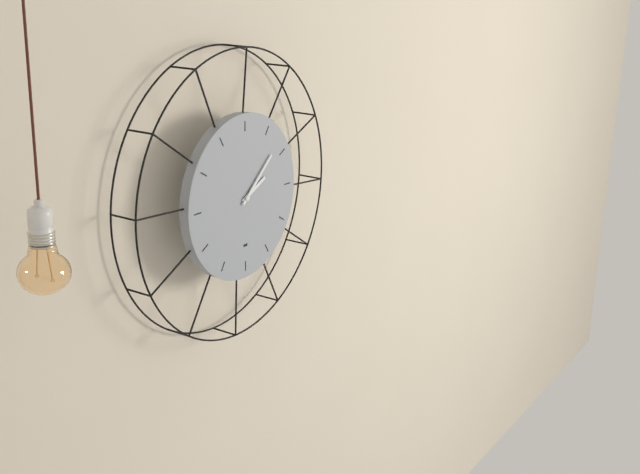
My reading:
**2:08**
